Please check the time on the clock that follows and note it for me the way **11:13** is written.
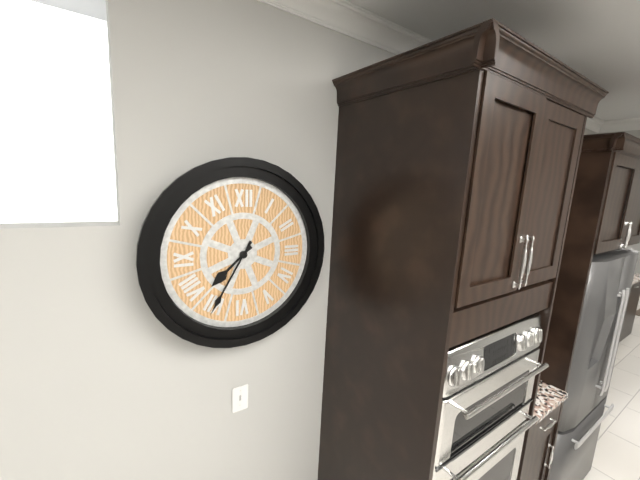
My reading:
**7:35**
